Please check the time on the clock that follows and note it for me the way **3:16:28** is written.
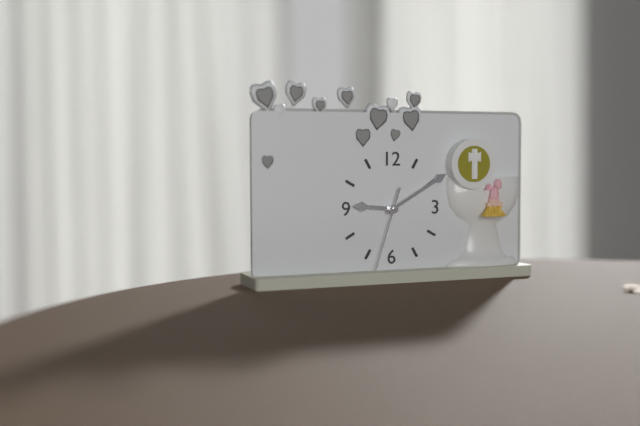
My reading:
**9:10:33**
